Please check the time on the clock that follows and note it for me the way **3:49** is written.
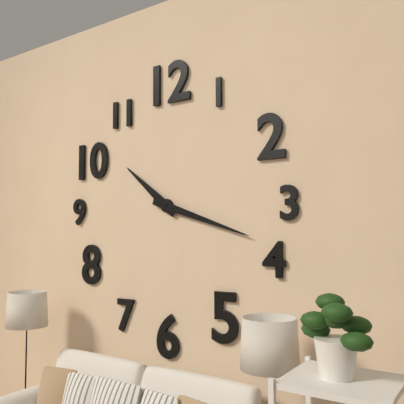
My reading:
**10:18**
